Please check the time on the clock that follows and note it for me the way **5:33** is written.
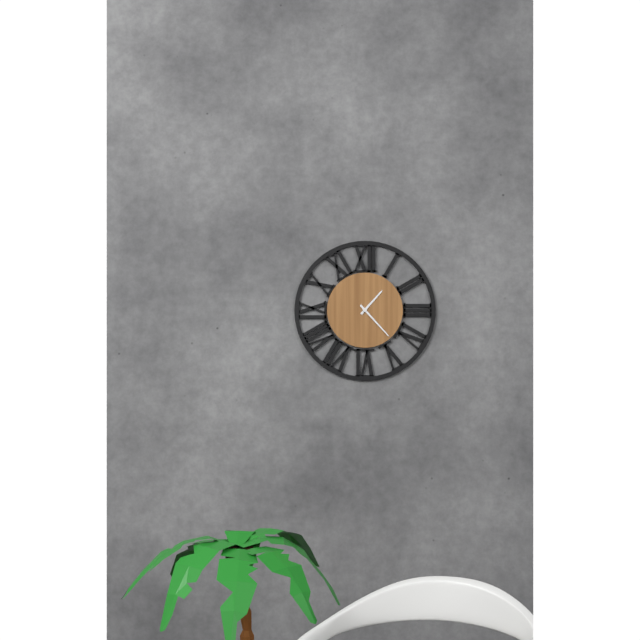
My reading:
**1:23**
